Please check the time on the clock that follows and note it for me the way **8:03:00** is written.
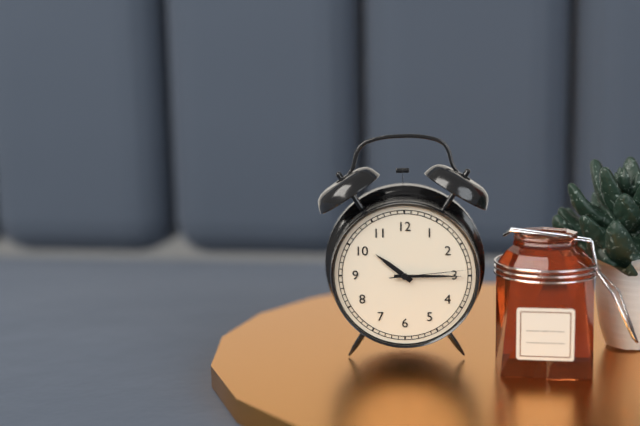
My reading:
**10:15:14**
